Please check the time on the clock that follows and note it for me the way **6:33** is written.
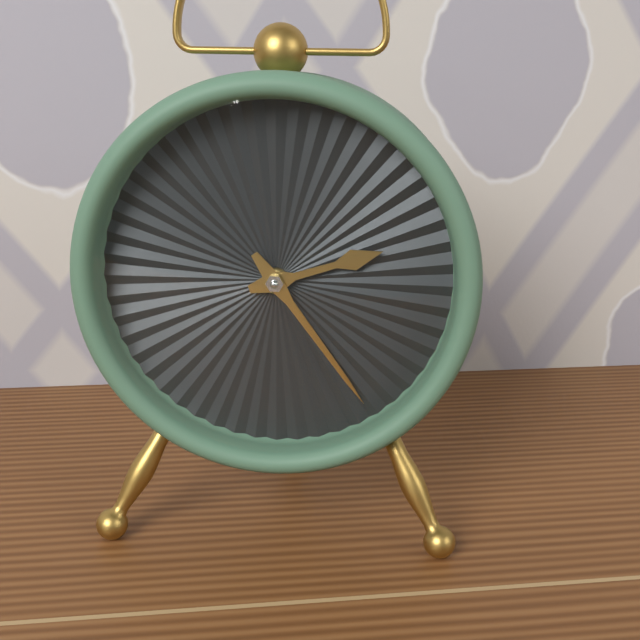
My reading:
**2:24**
